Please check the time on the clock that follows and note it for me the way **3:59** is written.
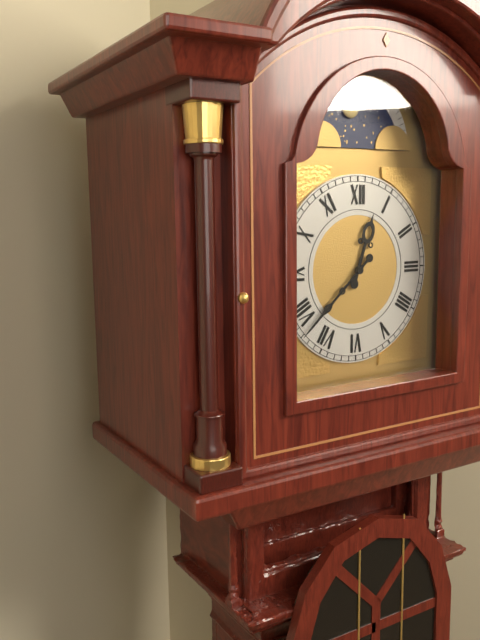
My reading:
**12:38**
